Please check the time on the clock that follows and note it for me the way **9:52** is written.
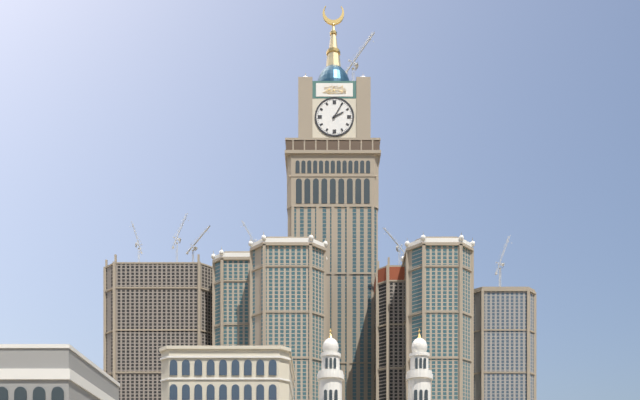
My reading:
**2:05**
